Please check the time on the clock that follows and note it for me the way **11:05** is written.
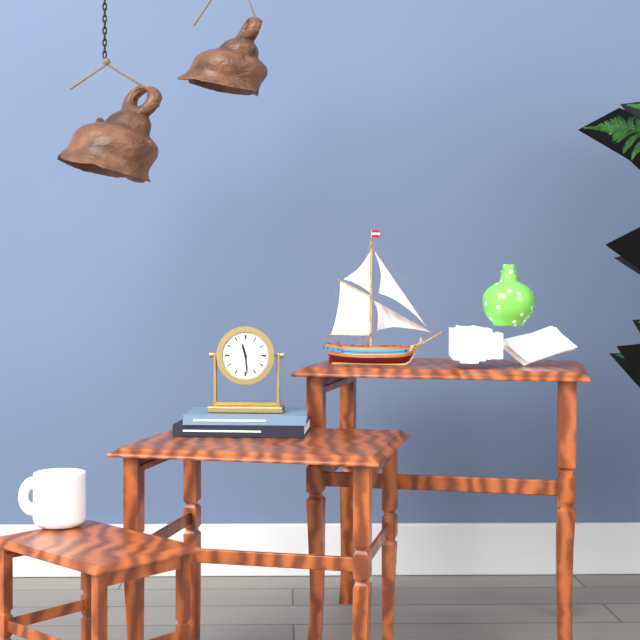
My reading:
**11:29**
